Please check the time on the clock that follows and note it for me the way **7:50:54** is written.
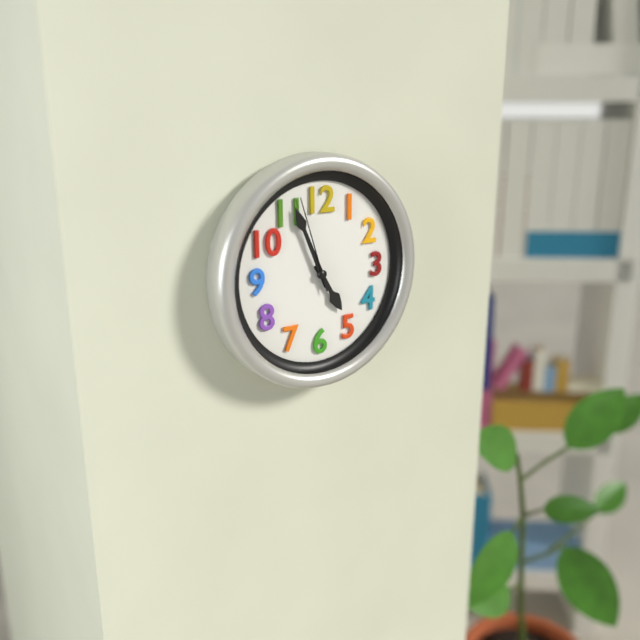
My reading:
**4:56:57**
